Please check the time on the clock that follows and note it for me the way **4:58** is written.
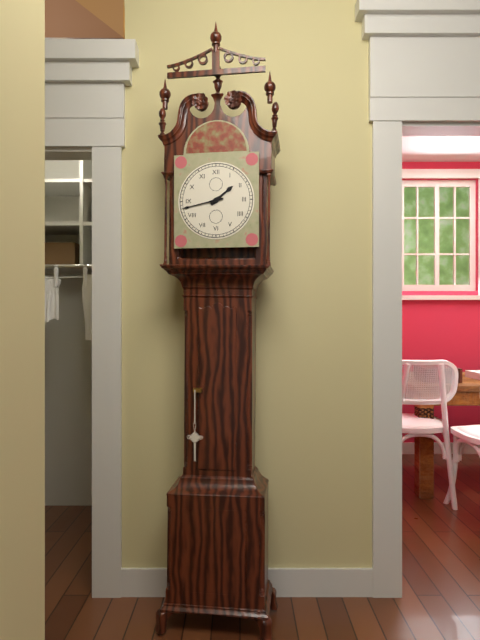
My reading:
**1:43**
